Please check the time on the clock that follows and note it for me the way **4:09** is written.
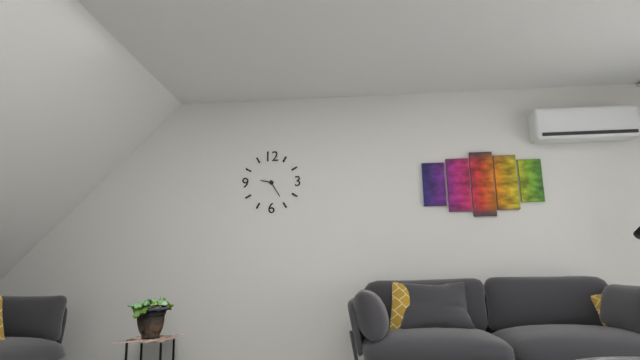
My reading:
**9:25**
